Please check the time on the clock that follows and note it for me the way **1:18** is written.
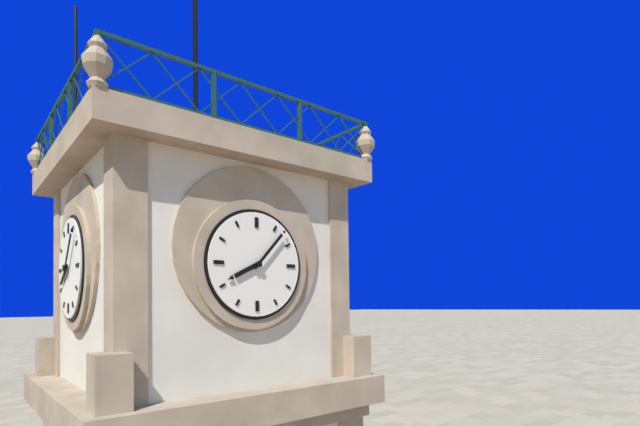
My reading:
**8:07**
